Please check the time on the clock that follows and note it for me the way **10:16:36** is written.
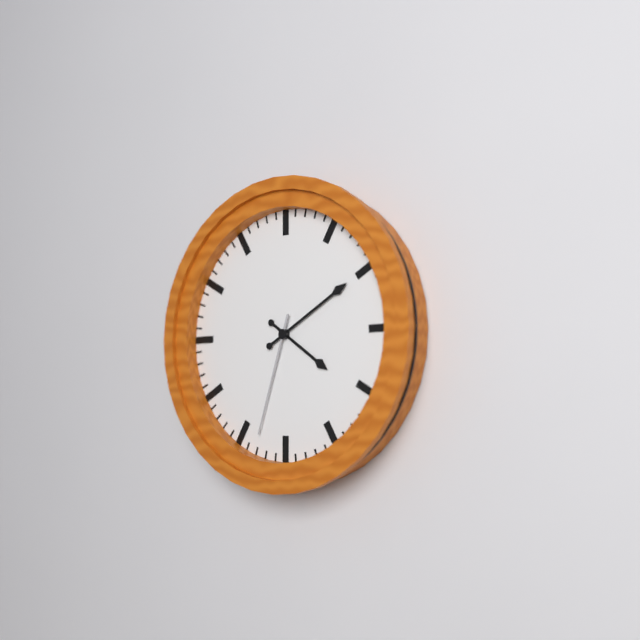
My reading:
**4:10:33**
